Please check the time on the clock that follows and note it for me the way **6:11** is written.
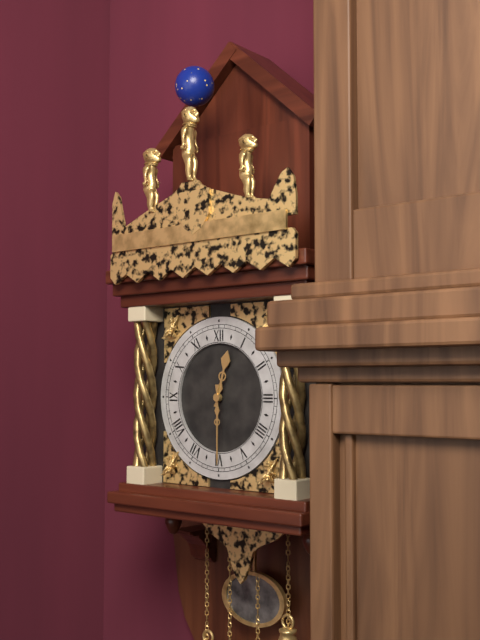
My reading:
**12:30**
